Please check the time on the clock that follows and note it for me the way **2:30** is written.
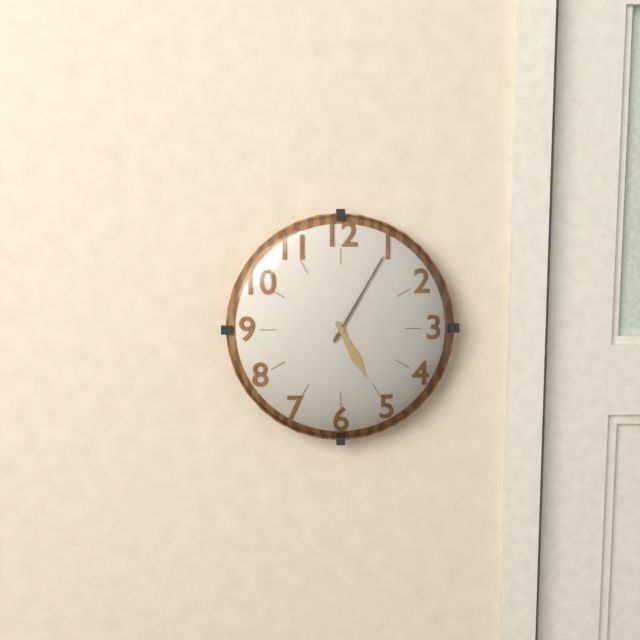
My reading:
**5:05**
